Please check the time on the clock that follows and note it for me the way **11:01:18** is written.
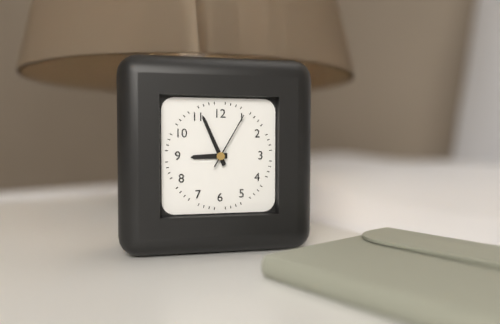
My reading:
**8:56:05**
